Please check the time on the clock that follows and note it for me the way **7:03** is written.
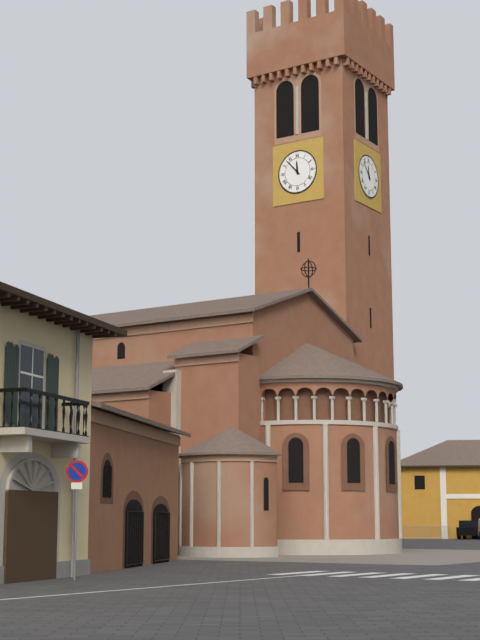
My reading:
**11:53**
